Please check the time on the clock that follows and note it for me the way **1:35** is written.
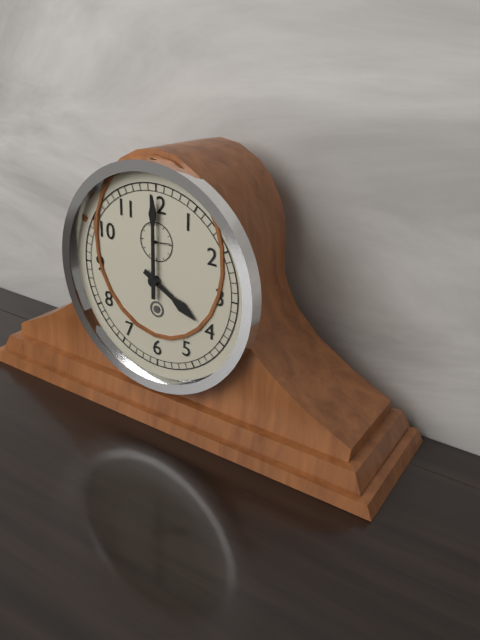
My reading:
**4:00**
